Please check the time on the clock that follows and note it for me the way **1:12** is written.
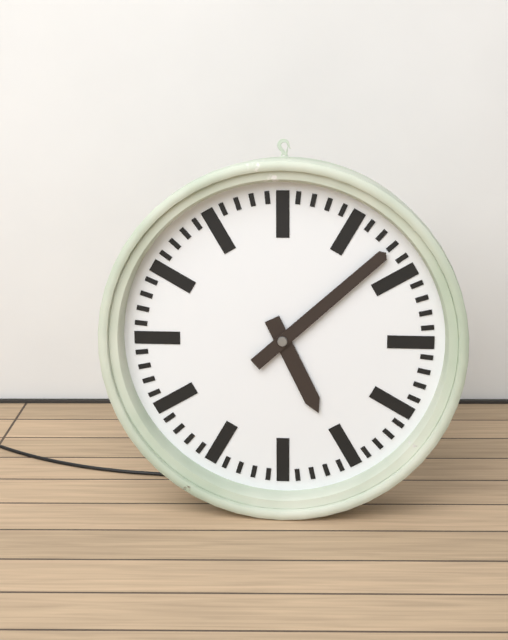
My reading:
**5:08**
